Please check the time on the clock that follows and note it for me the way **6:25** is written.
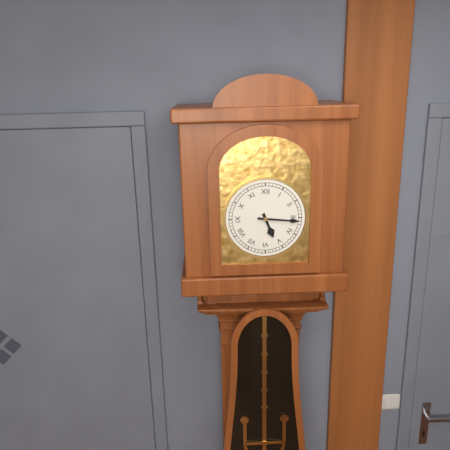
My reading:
**5:16**
